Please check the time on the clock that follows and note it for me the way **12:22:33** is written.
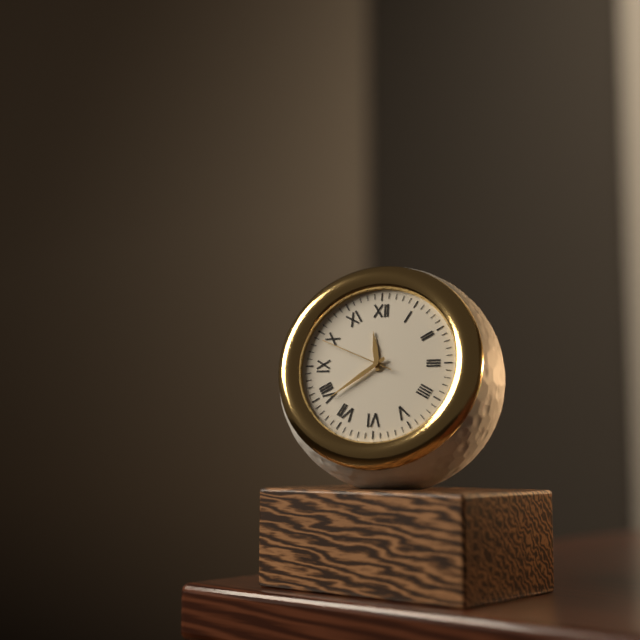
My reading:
**11:39:49**
